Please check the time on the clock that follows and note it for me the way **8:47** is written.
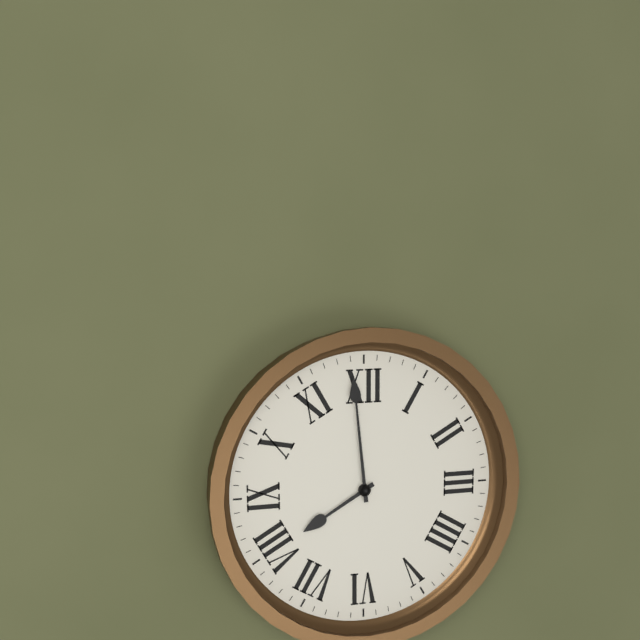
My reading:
**7:59**
